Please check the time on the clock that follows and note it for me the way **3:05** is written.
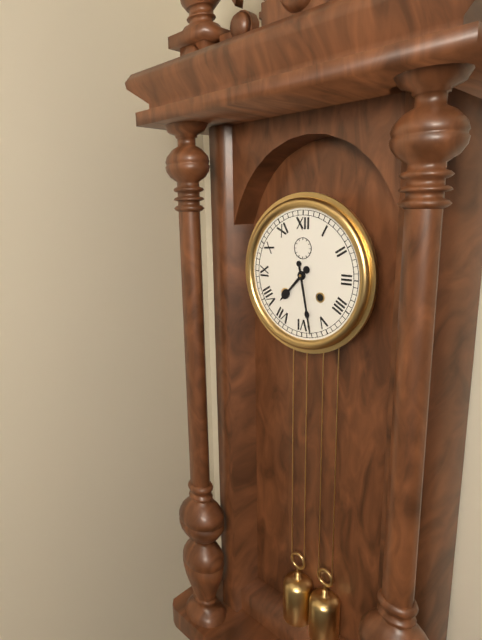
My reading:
**7:28**
